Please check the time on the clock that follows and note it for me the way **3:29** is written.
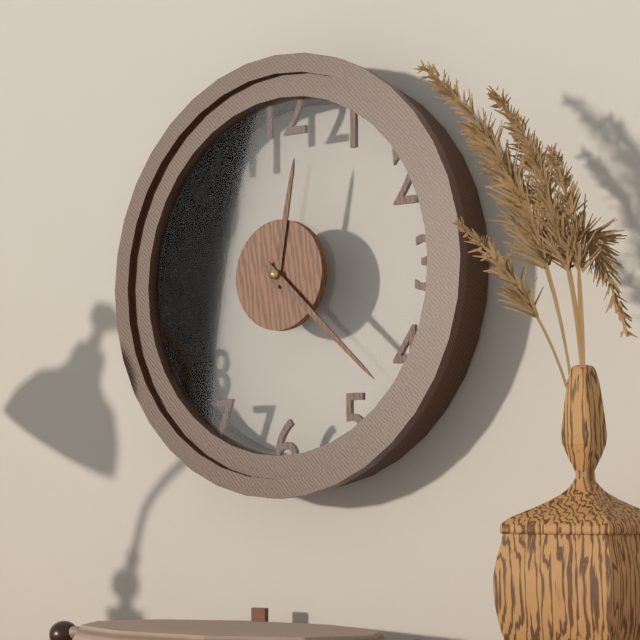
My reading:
**12:22**
